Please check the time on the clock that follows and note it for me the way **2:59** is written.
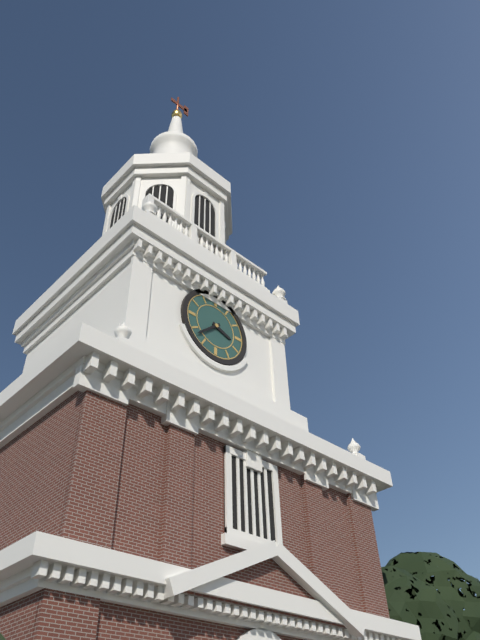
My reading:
**3:38**
